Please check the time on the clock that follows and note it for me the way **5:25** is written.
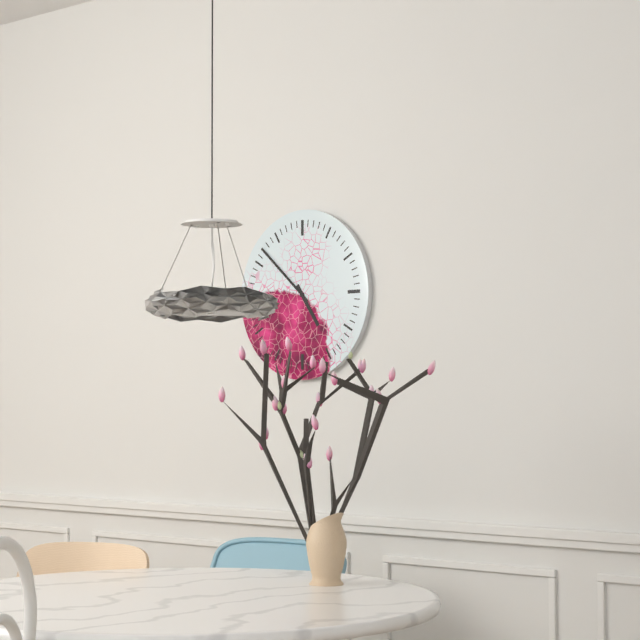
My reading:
**4:52**
